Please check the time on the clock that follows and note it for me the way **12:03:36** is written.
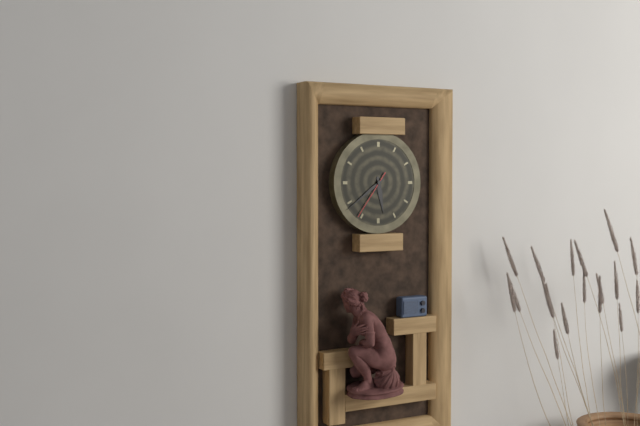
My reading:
**5:39:36**
